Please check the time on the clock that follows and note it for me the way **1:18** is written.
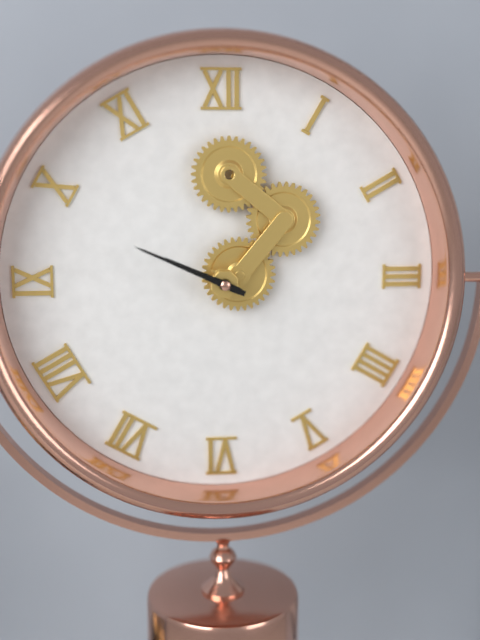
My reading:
**9:49**
